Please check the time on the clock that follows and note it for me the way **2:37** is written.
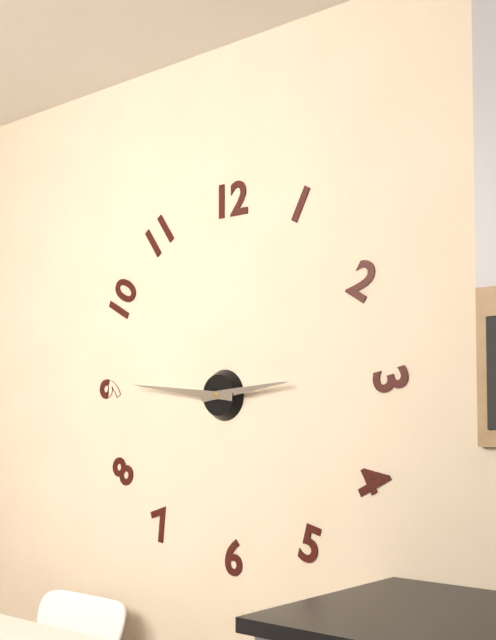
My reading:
**2:46**
